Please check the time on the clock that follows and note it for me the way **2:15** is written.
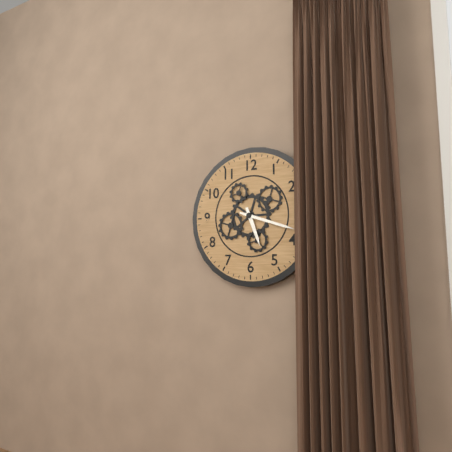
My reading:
**5:18**
